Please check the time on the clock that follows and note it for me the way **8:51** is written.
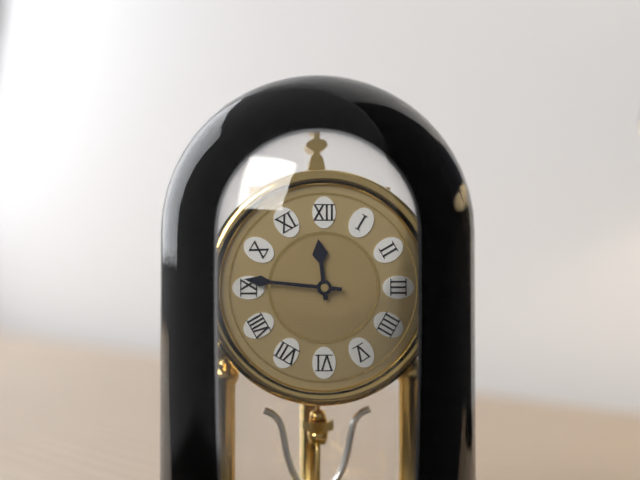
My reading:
**11:46**
